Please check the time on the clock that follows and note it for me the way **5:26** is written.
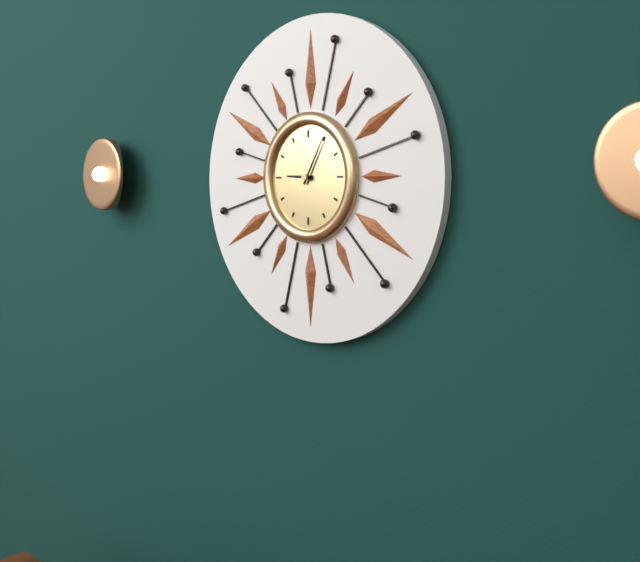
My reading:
**9:05**
